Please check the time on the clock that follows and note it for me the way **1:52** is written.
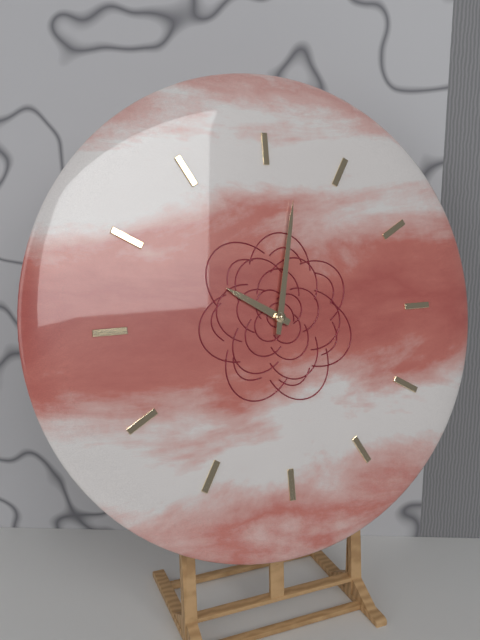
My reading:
**10:02**
